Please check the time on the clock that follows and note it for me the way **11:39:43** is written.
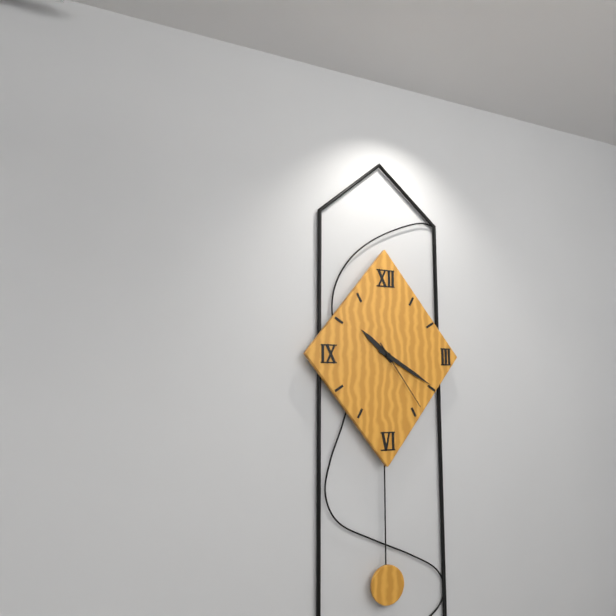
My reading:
**10:20:24**
